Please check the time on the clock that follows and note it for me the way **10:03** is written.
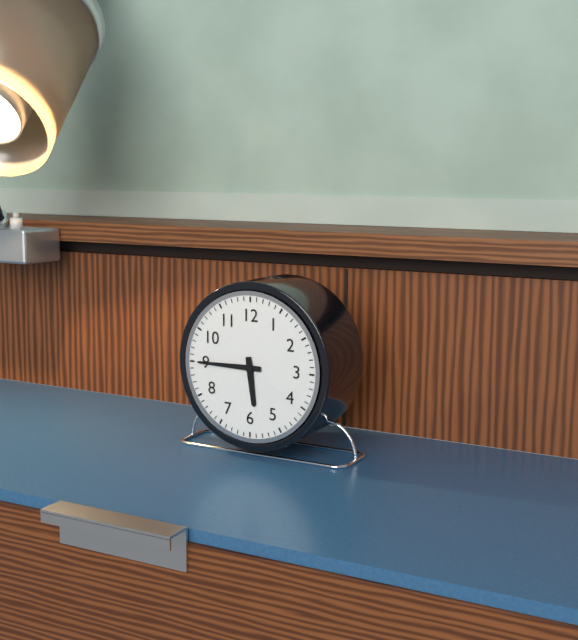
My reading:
**5:45**
